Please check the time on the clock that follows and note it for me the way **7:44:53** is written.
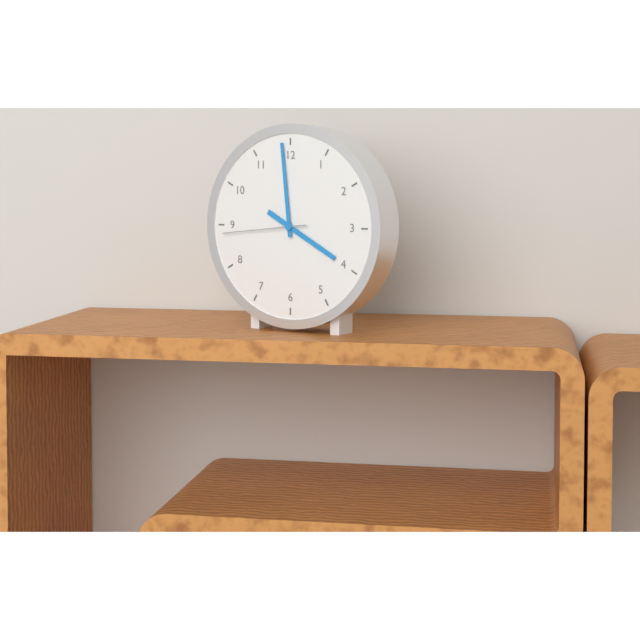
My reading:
**3:59:44**
